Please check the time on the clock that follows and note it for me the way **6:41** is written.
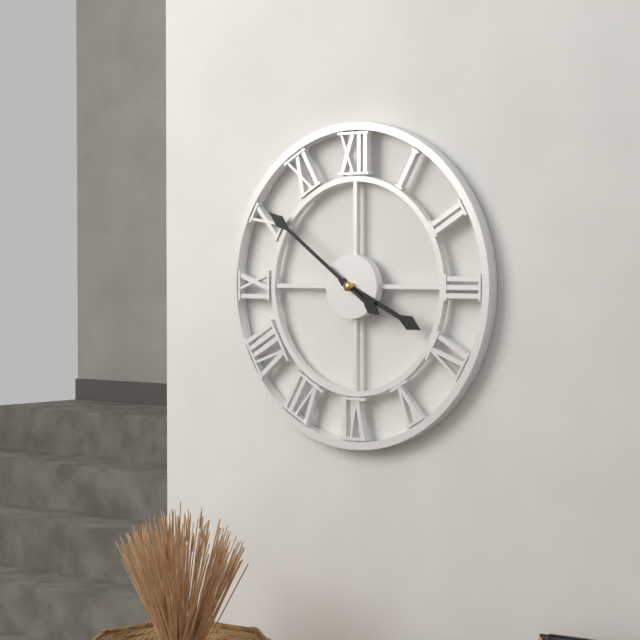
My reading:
**3:51**
